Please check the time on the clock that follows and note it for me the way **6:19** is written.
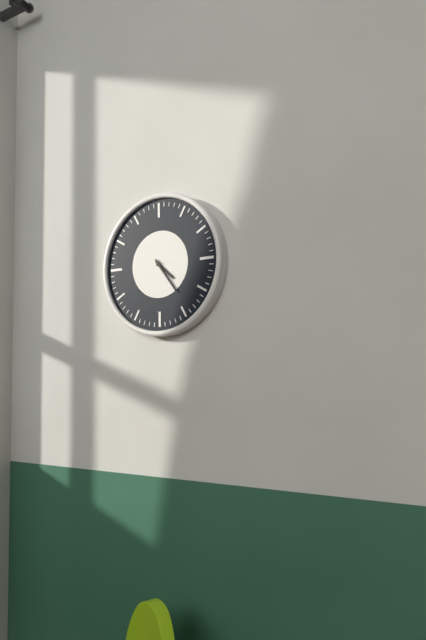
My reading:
**4:24**
